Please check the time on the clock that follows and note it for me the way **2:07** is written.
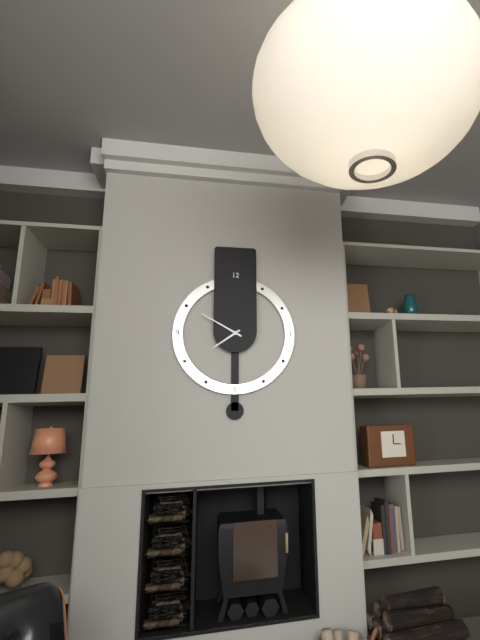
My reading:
**7:50**
